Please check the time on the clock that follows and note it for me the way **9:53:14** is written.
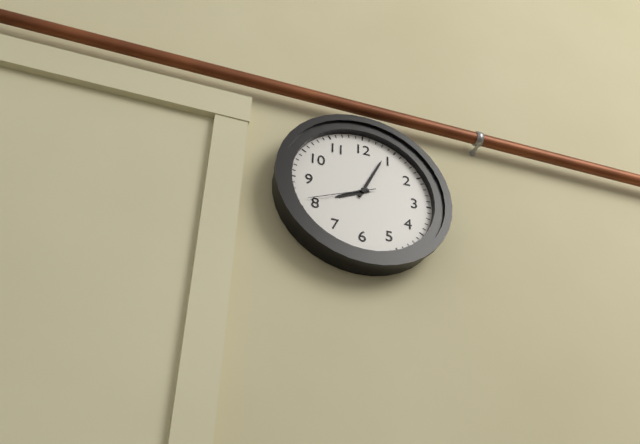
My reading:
**8:04:41**
